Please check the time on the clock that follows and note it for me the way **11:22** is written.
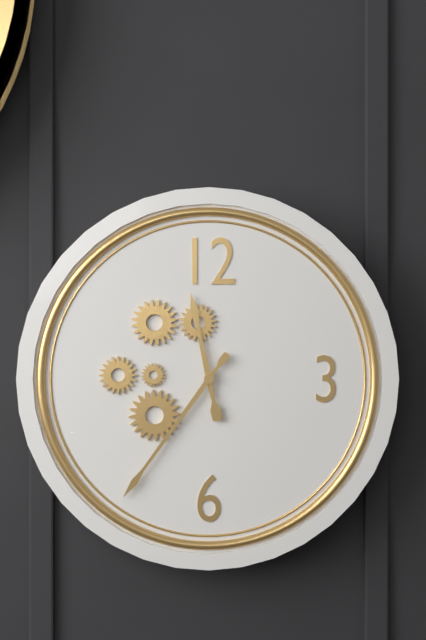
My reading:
**11:36**
